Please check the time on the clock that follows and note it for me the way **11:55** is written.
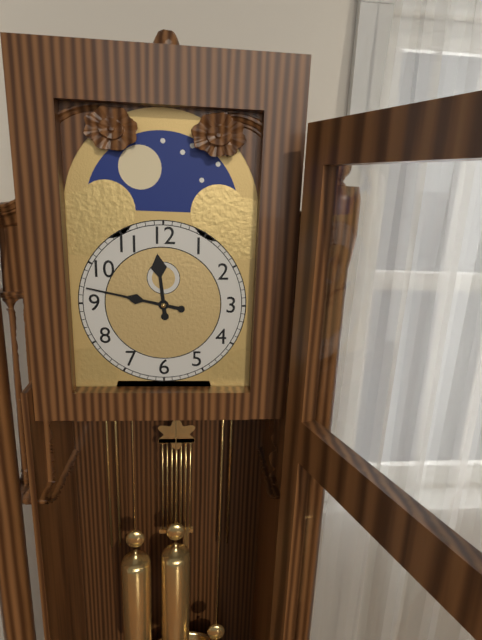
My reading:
**11:47**
